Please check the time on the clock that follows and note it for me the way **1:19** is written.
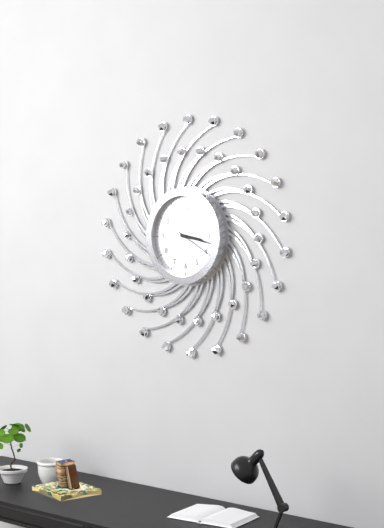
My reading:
**3:17**
